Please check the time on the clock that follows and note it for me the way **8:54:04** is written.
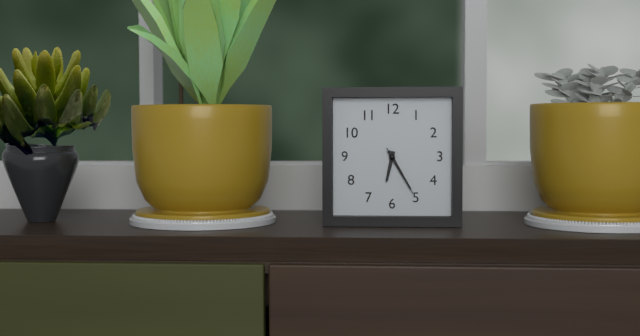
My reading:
**6:25:25**
